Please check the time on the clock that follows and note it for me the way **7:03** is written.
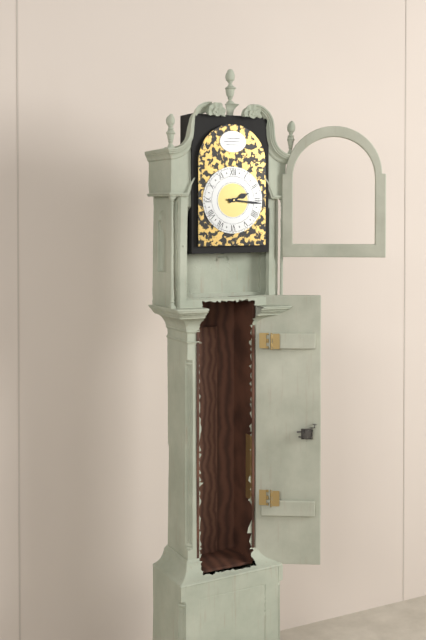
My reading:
**2:16**
